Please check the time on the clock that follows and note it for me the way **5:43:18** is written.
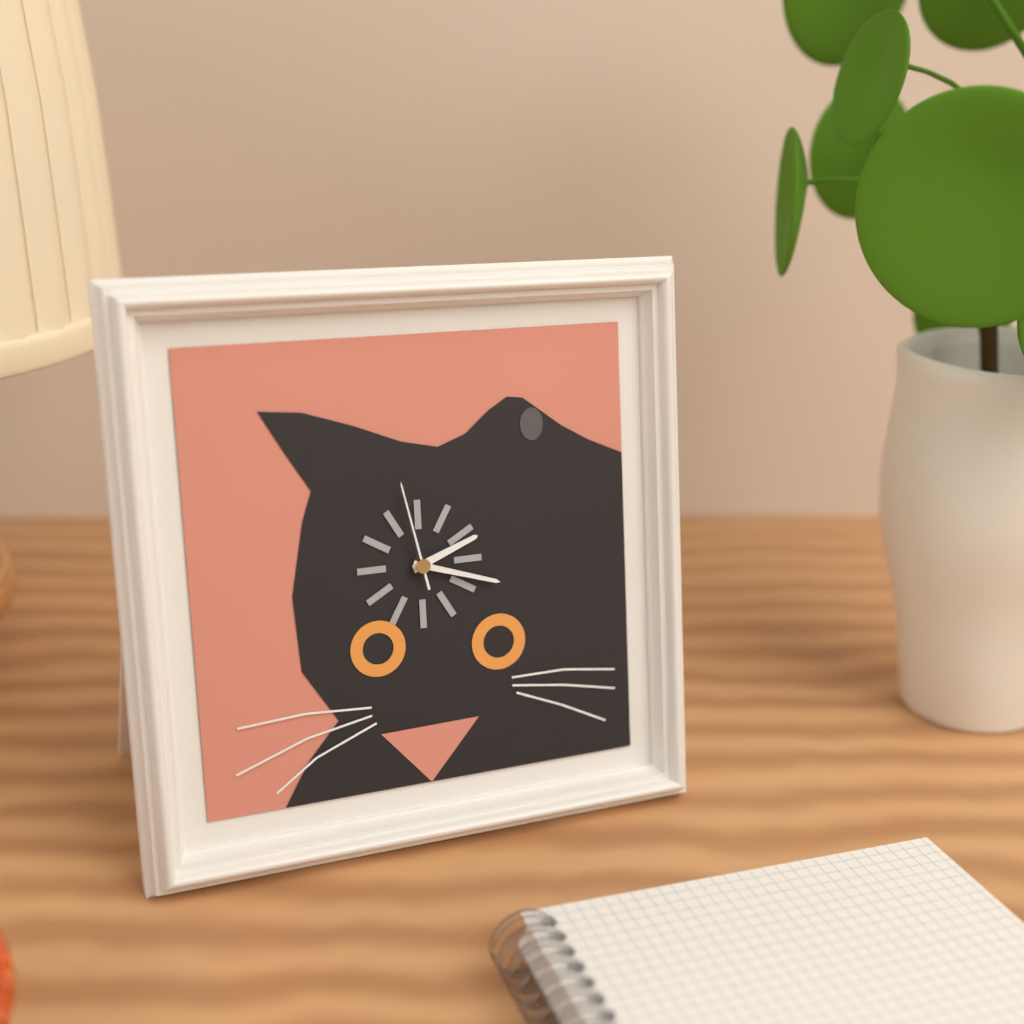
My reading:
**2:18:58**
